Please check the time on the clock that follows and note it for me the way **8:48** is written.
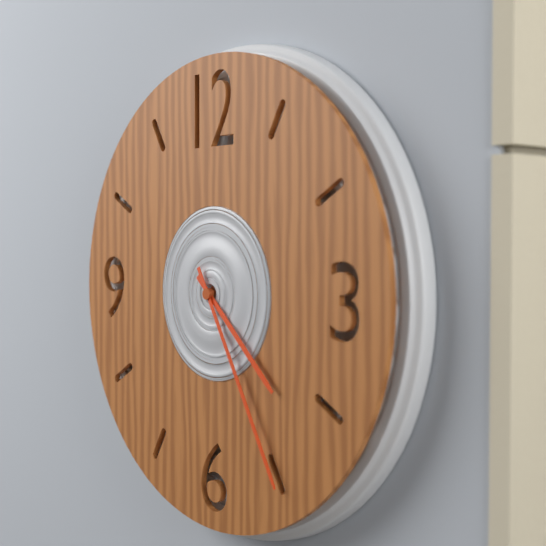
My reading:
**4:25**
